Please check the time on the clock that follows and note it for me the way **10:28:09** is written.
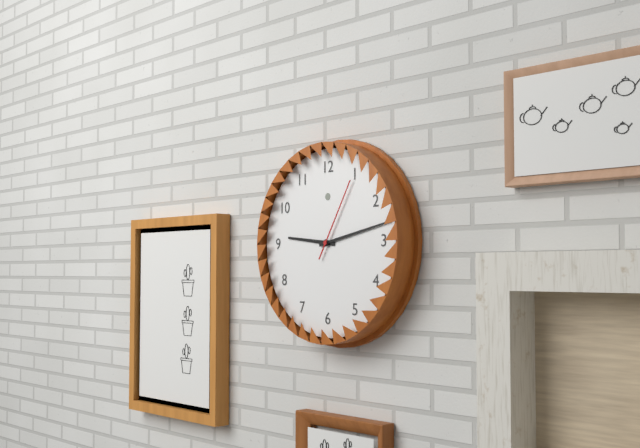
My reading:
**9:13:05**
